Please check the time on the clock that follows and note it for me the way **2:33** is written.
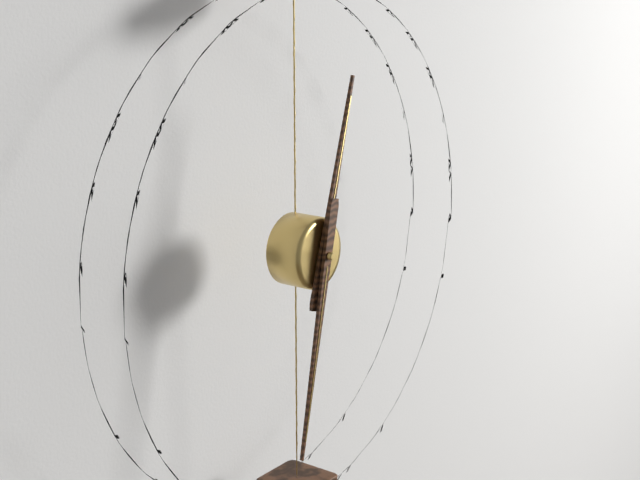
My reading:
**12:32**
